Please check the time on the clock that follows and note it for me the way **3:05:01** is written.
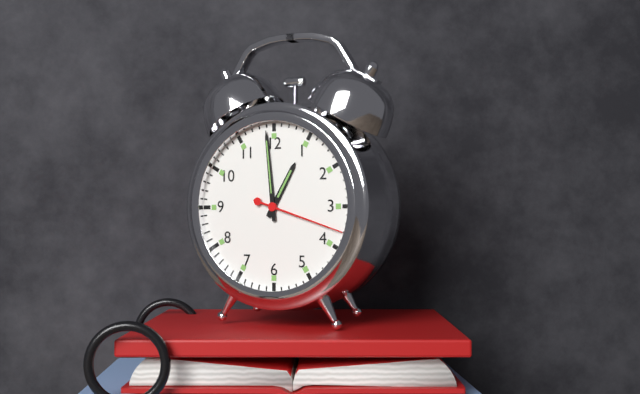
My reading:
**12:59:18**
